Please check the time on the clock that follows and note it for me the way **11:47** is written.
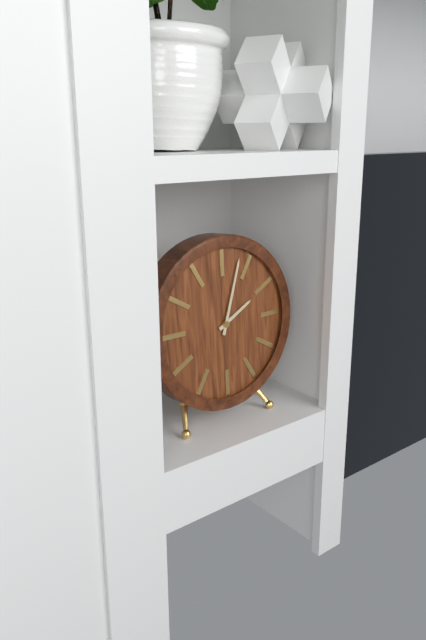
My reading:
**2:03**
